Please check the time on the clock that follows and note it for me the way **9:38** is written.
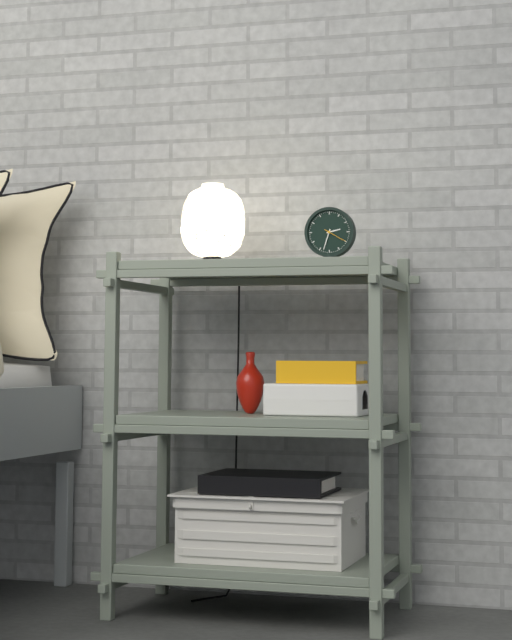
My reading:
**2:33**
